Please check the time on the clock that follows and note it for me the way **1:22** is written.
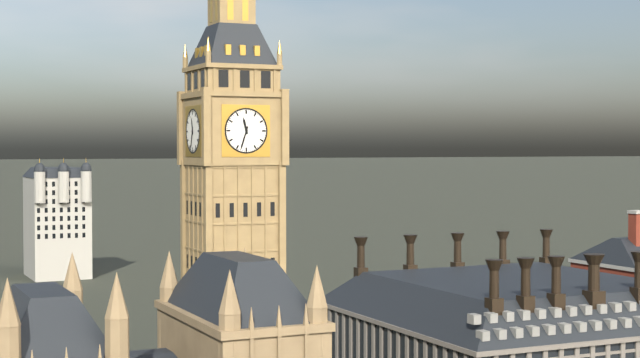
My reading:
**11:33**
